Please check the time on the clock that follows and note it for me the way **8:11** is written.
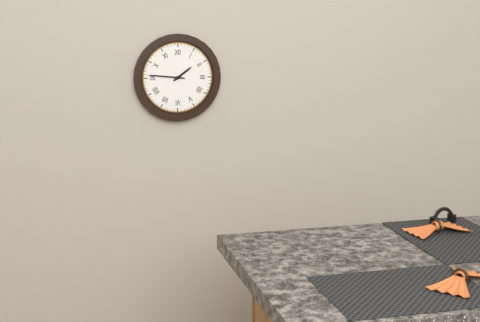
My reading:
**1:46**
